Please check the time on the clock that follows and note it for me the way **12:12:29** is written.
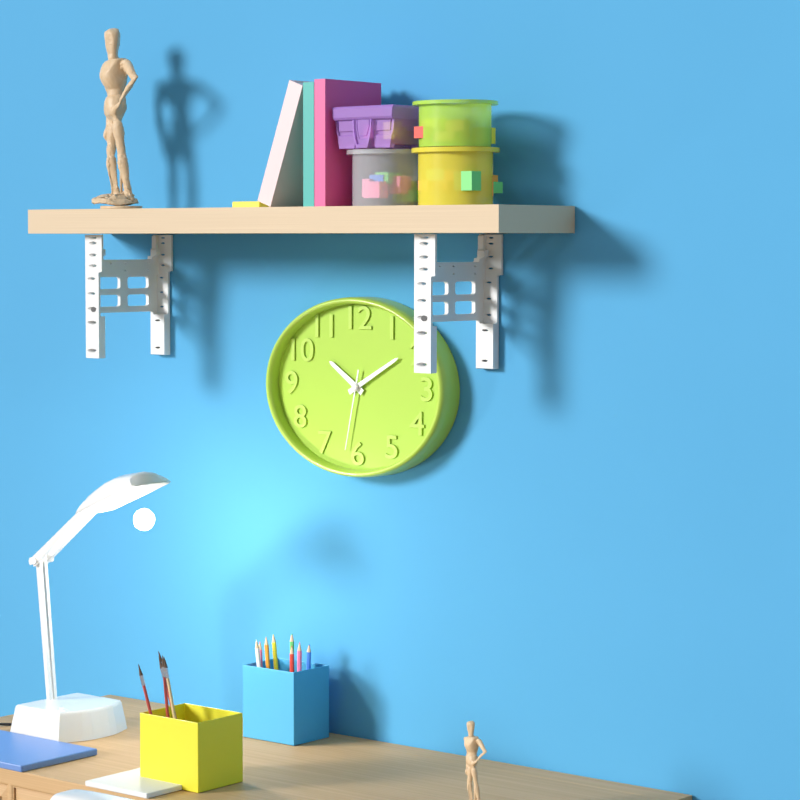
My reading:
**10:10:32**
